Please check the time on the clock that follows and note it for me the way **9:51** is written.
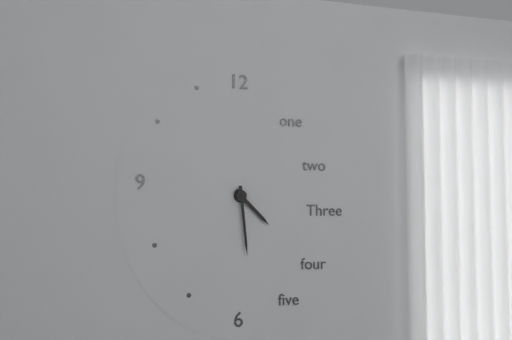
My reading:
**4:29**
